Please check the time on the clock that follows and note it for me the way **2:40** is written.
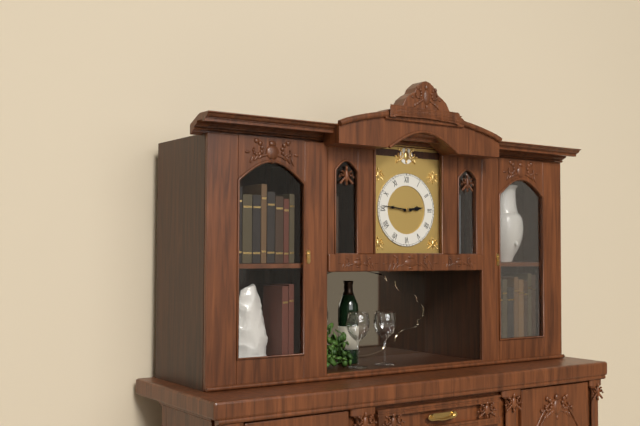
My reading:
**2:46**
